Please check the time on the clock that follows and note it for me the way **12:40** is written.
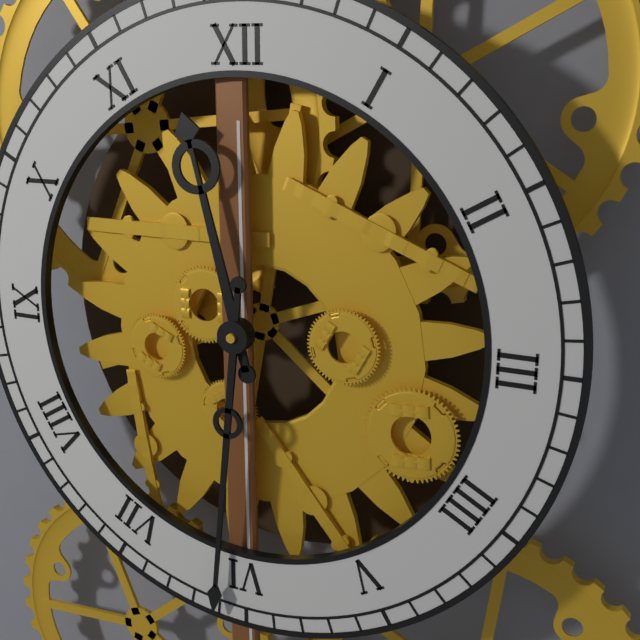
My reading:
**11:31**
